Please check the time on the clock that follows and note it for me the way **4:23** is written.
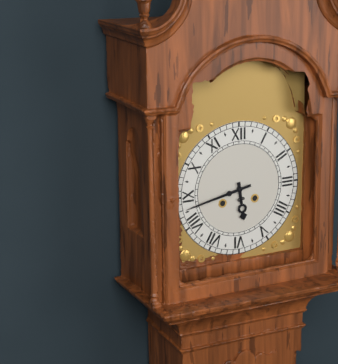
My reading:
**5:43**
